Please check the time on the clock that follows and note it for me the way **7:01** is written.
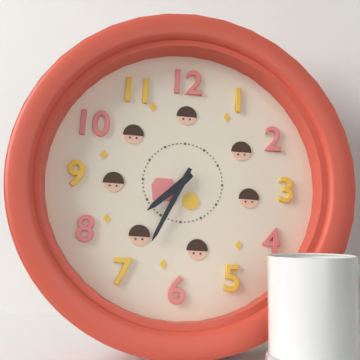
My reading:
**7:34**
